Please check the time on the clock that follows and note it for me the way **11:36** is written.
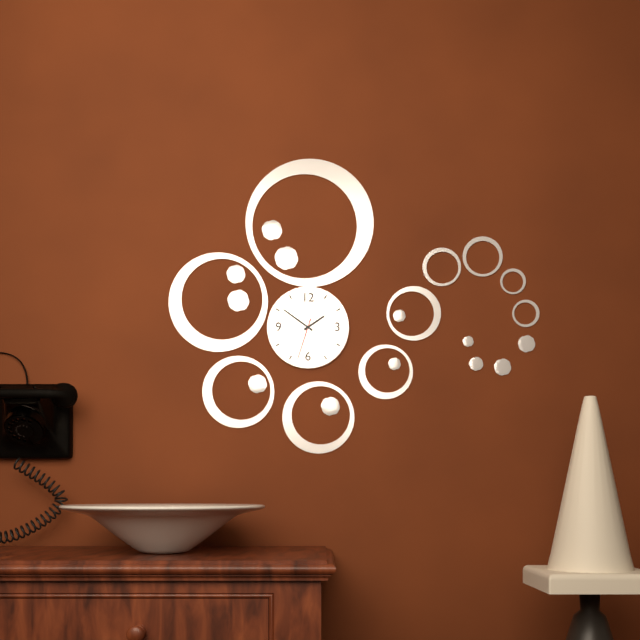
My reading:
**1:51**
